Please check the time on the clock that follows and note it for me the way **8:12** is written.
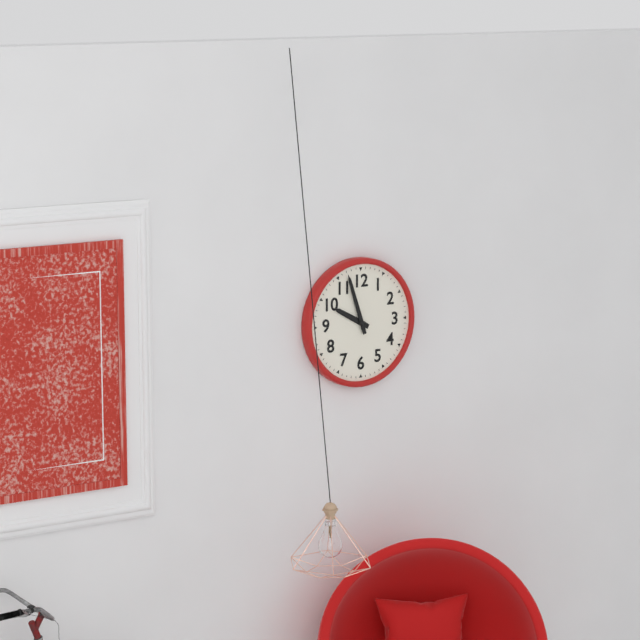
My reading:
**9:57**
